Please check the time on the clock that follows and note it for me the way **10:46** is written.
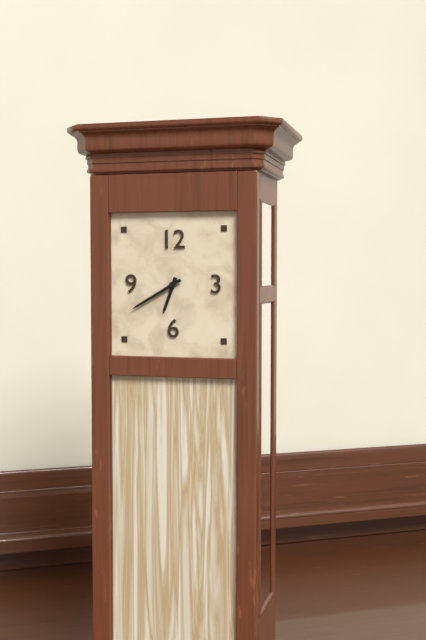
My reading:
**6:40**
